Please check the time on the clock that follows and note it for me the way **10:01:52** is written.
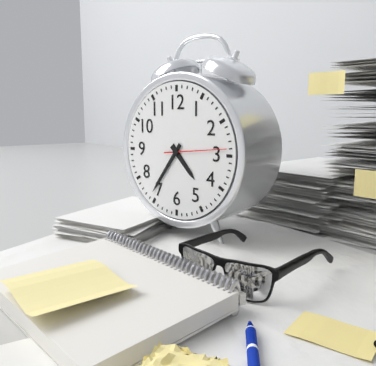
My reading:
**4:36:14**
